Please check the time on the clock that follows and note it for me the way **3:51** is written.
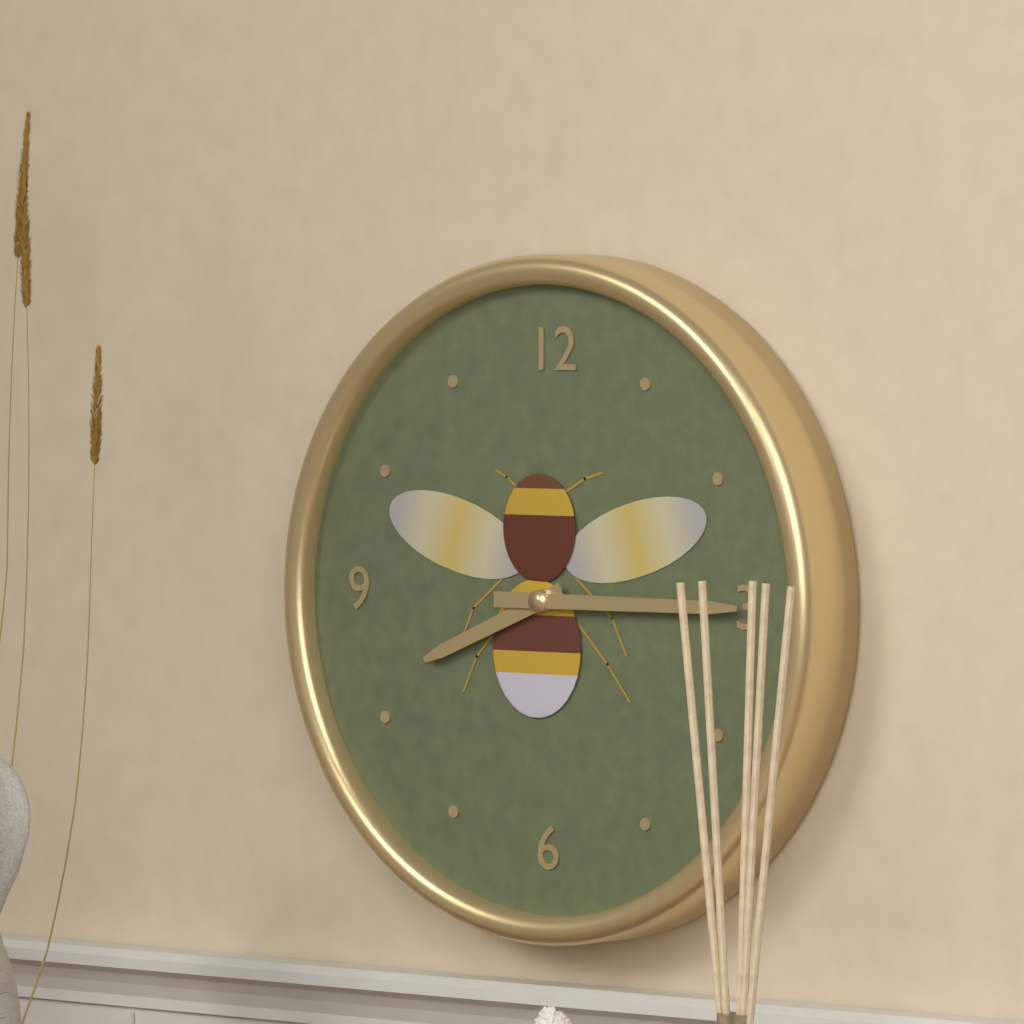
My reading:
**8:15**
